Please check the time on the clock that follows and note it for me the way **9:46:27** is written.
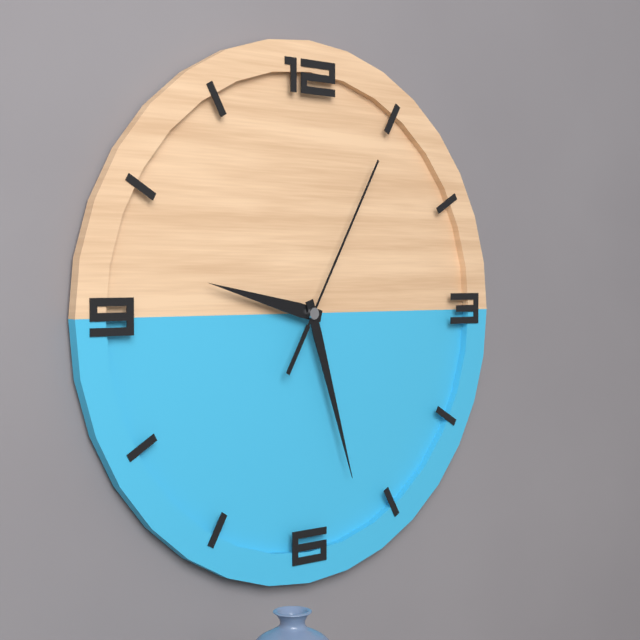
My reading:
**9:27:05**
